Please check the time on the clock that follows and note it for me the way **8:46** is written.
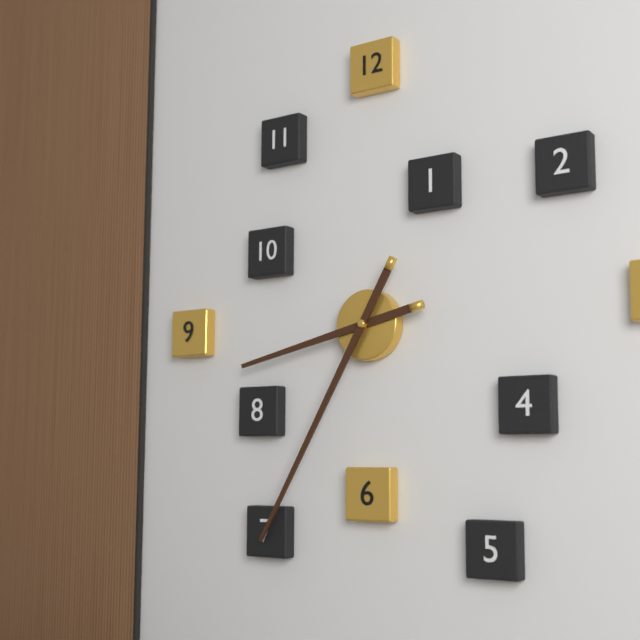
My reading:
**8:35**
